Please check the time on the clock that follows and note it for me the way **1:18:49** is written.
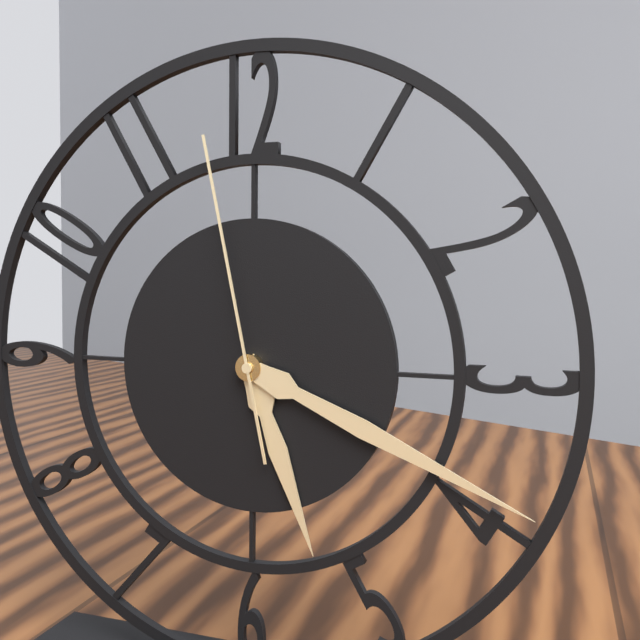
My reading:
**5:19:58**
